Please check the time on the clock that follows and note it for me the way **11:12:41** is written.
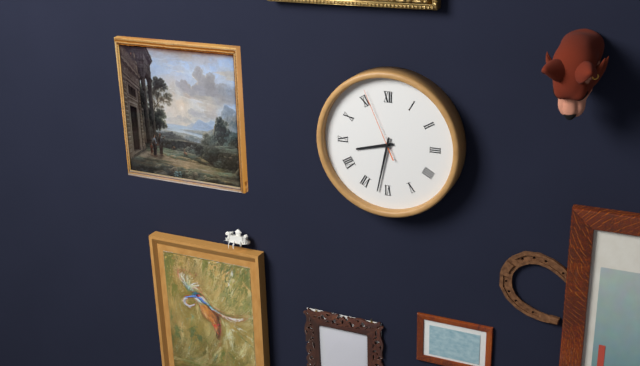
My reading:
**8:32:56**
